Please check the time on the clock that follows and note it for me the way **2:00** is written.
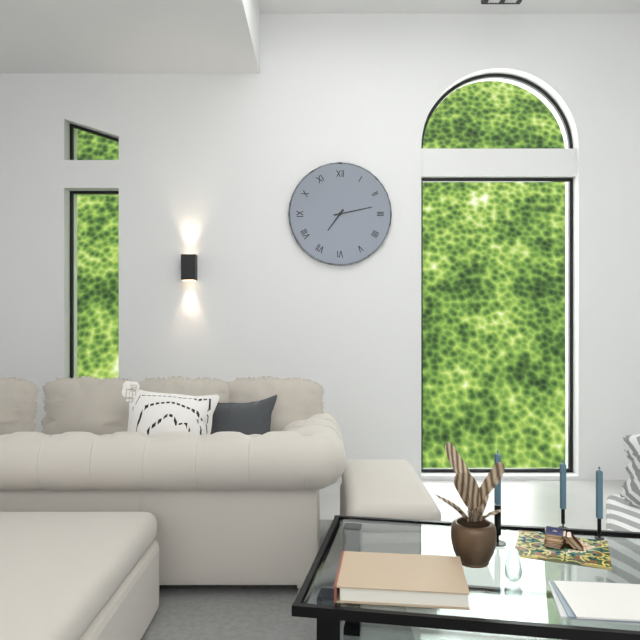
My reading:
**7:13**
